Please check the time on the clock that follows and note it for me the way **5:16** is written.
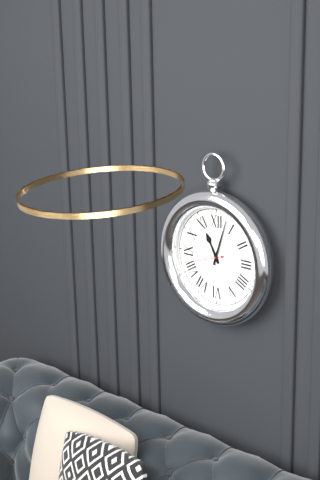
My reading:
**11:03**
